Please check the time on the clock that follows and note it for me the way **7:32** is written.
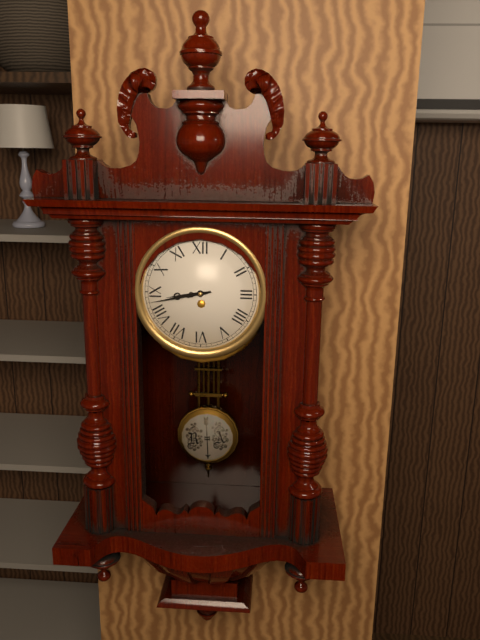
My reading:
**8:43**
